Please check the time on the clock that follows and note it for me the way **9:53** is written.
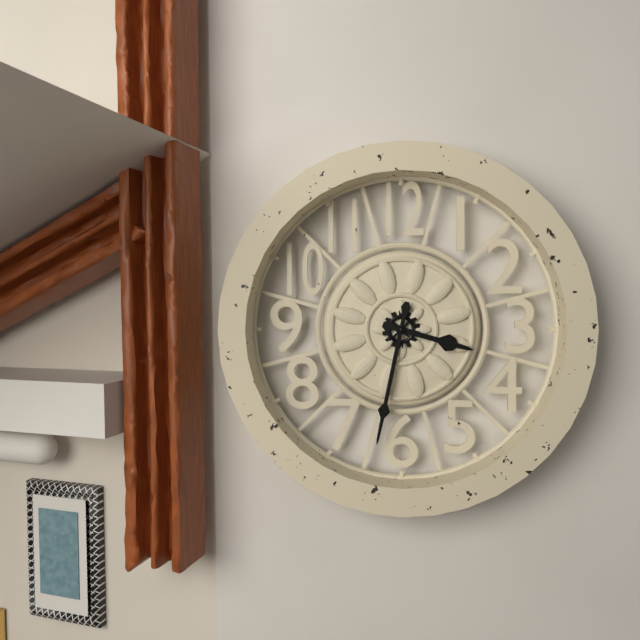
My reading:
**3:32**
